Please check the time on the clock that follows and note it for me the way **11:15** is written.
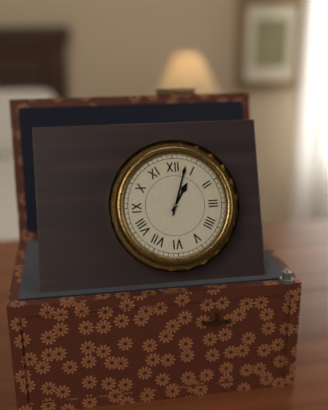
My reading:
**1:03**
